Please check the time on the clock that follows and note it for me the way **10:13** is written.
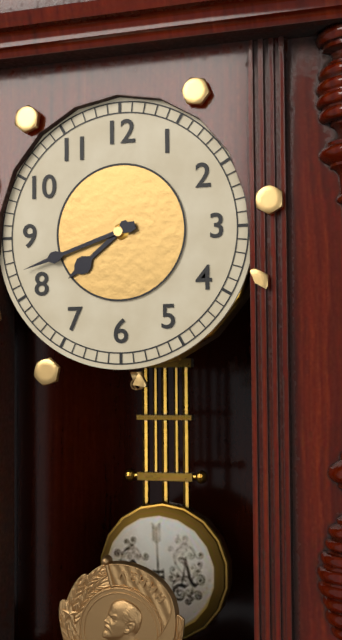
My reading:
**7:42**
